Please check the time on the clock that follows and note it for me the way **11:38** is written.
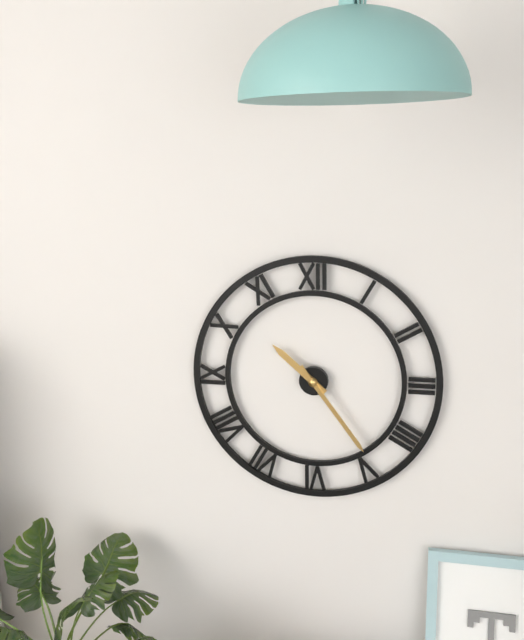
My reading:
**10:24**
